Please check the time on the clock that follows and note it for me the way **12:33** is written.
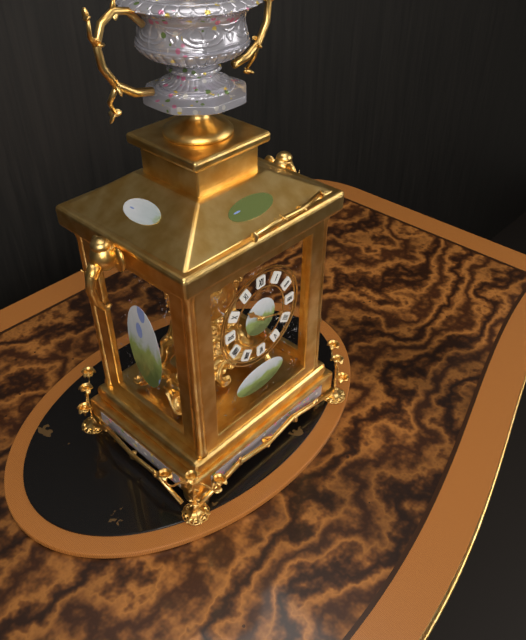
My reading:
**10:18**
